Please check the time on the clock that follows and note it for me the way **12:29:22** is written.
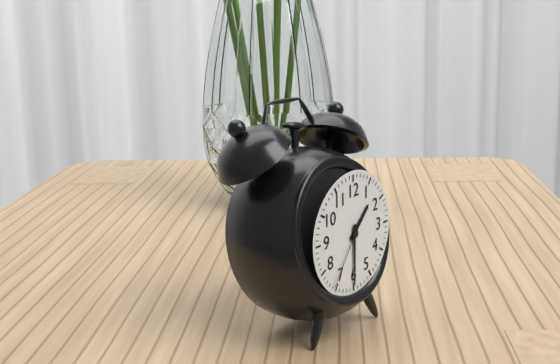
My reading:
**1:30:36**
